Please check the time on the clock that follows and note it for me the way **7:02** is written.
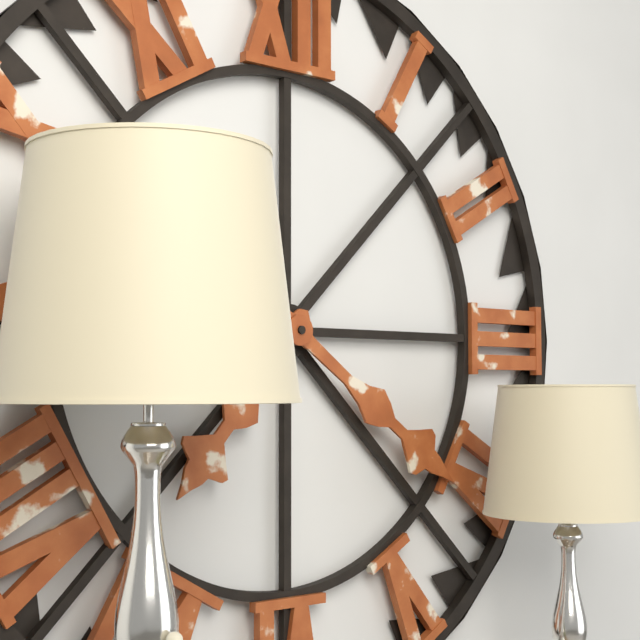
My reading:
**7:21**
